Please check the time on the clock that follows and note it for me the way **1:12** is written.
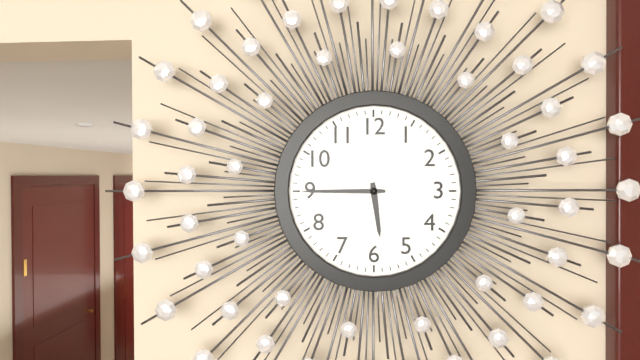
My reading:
**5:45**
